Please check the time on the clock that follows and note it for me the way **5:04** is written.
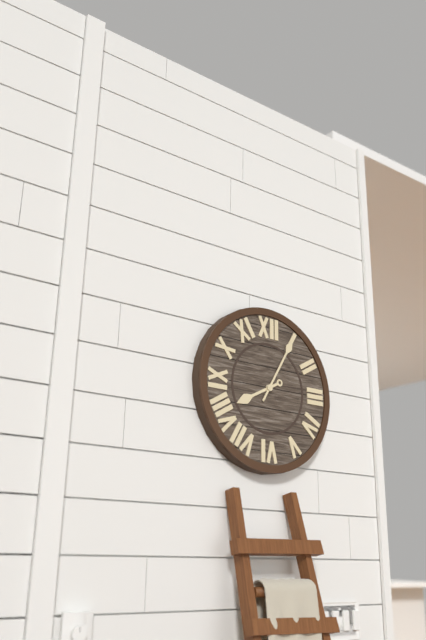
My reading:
**8:05**
